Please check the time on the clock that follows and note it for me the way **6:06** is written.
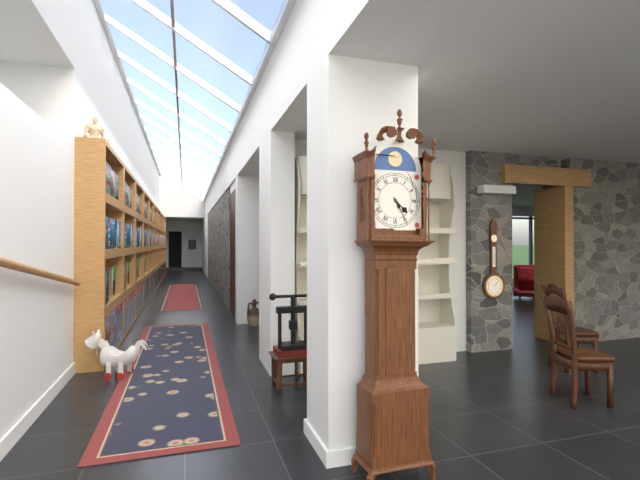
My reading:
**4:25**
